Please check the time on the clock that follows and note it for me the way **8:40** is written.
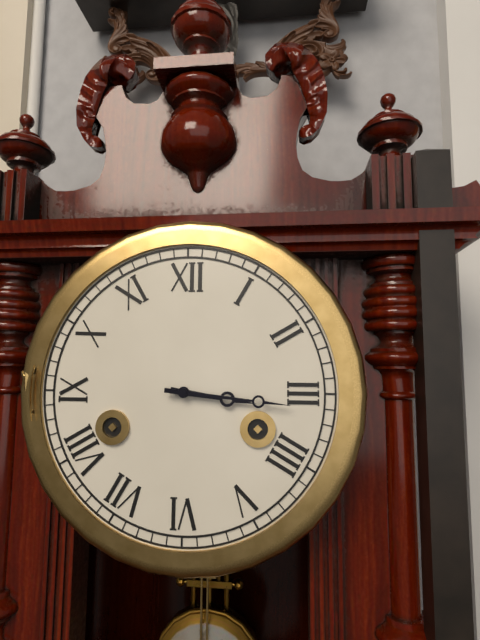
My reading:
**3:16**
